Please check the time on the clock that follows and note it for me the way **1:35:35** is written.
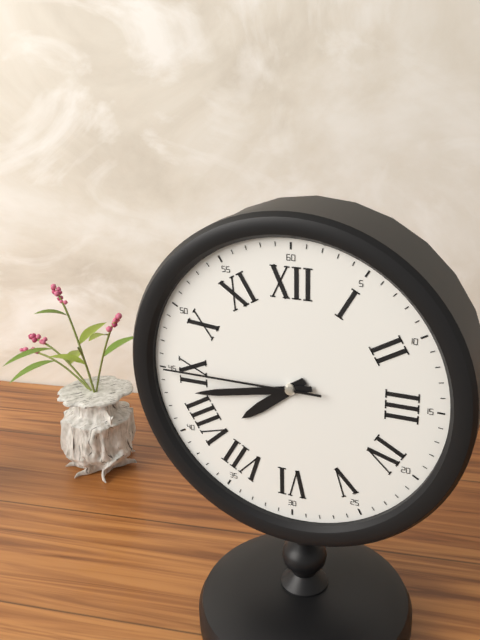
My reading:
**7:43:45**
